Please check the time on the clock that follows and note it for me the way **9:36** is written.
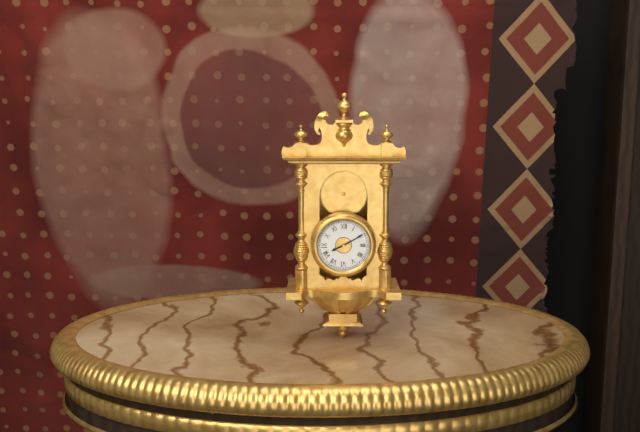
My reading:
**8:10**
